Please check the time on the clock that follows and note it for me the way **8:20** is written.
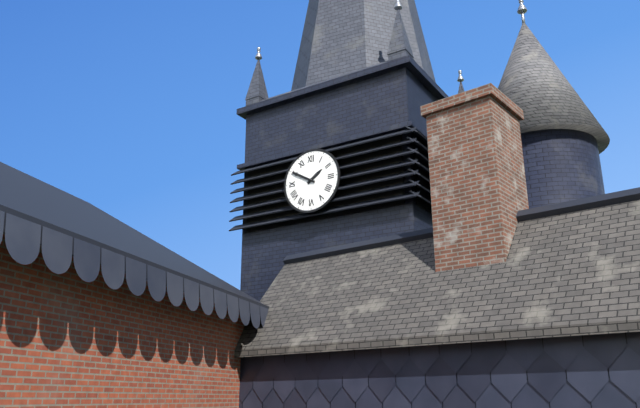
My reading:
**1:50**
